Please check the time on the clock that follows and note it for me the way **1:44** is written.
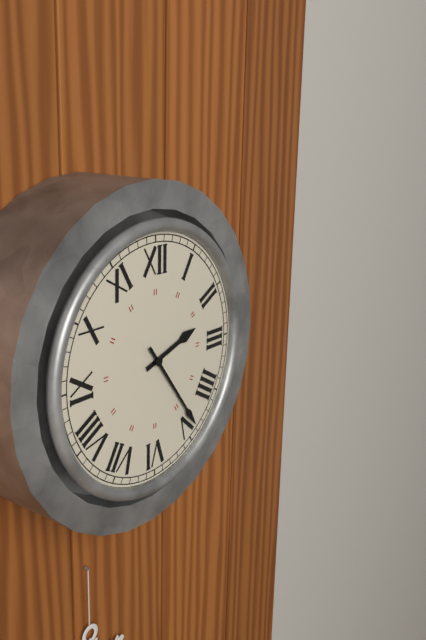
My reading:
**2:24**
